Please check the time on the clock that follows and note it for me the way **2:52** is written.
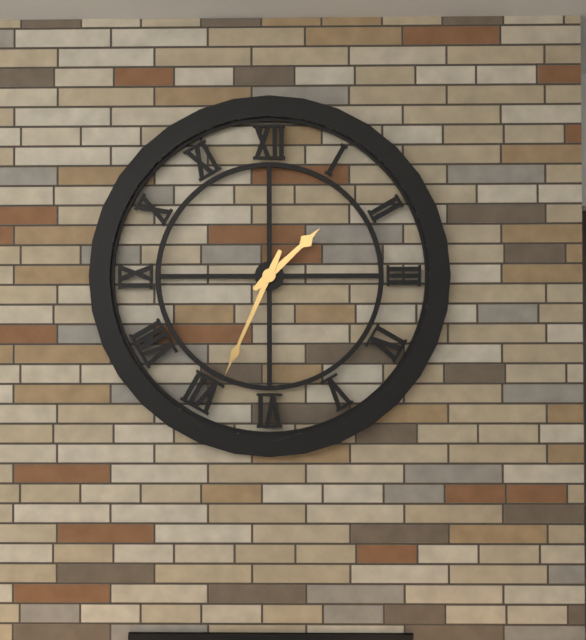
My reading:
**1:34**
